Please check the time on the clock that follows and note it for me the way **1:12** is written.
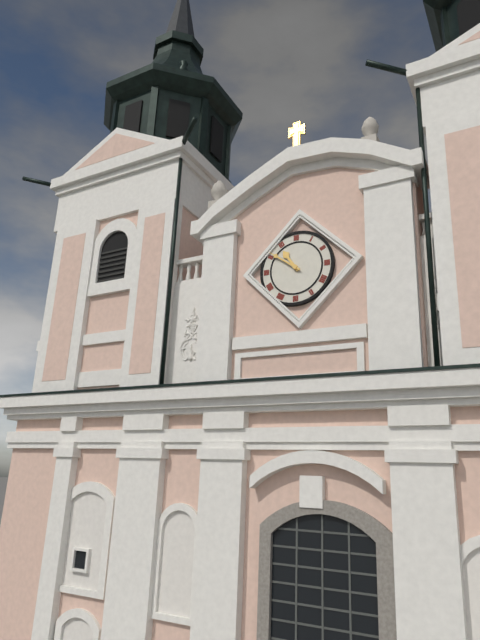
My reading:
**10:51**
